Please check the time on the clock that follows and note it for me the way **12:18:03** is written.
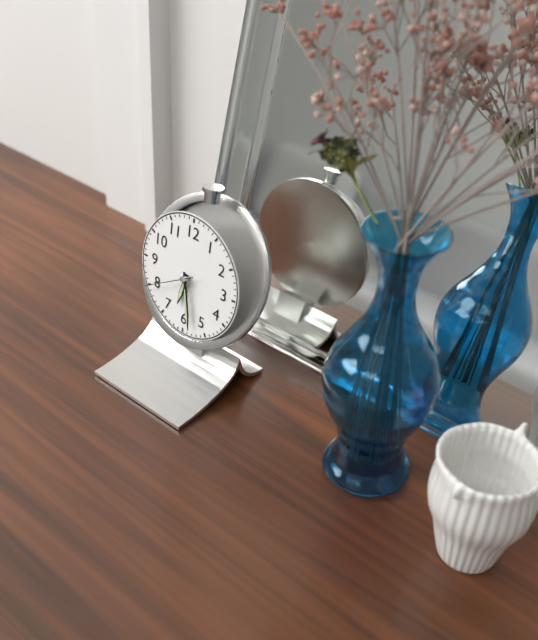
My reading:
**6:28:40**
